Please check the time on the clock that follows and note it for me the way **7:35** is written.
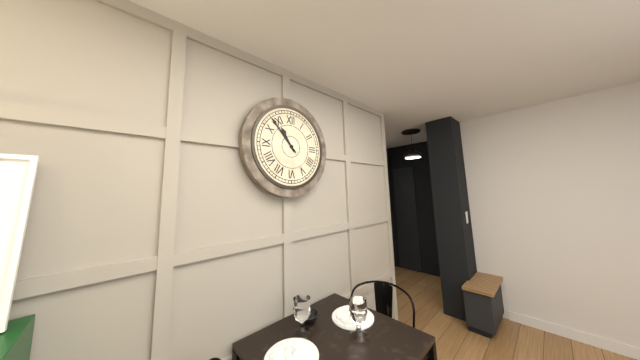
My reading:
**10:53**
